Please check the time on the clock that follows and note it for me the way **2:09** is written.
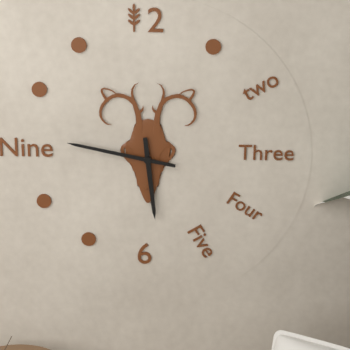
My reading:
**5:47**
